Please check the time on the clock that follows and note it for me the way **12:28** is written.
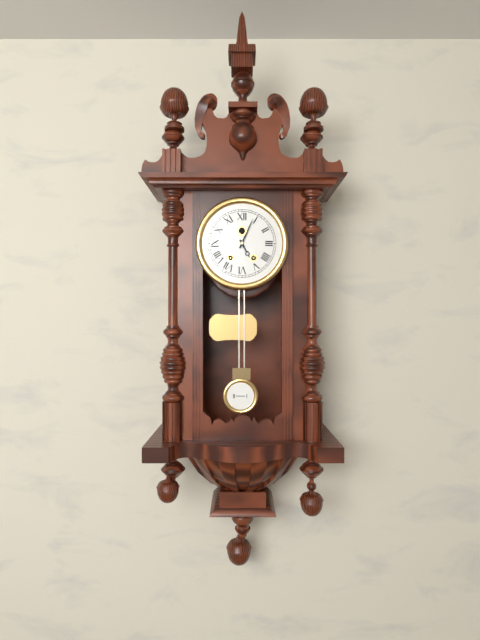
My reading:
**5:04**
